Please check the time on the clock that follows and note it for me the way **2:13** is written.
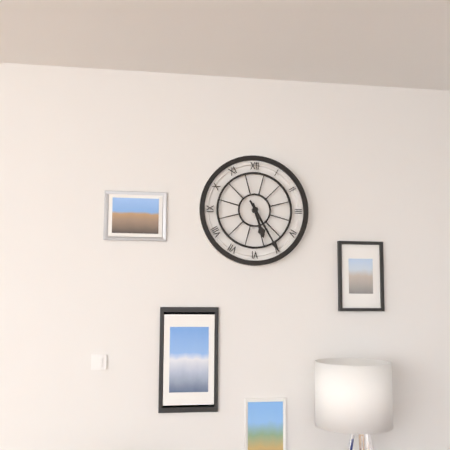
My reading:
**5:25**
